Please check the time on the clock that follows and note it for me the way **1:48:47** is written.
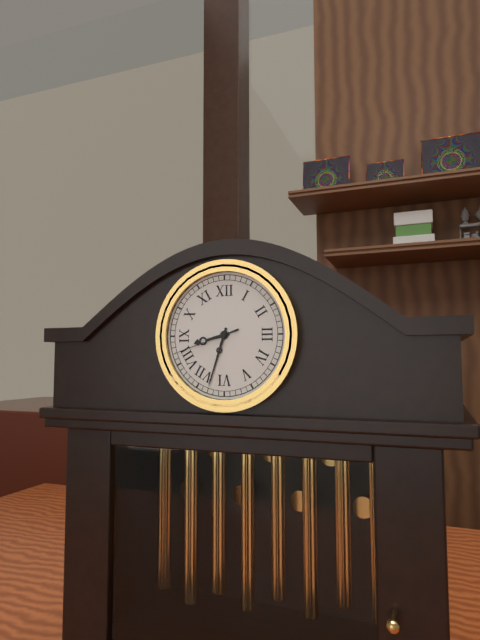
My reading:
**8:33:42**
